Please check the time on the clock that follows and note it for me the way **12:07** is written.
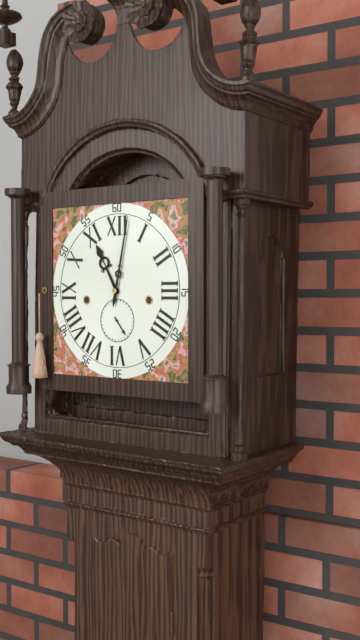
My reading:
**11:02**
